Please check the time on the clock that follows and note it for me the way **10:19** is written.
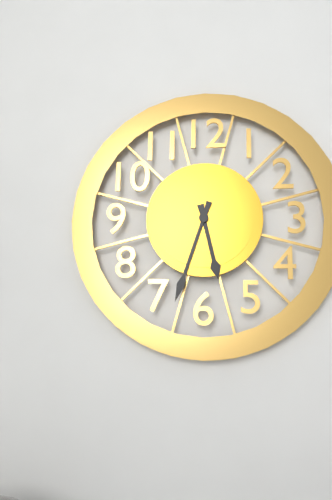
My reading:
**5:33**
